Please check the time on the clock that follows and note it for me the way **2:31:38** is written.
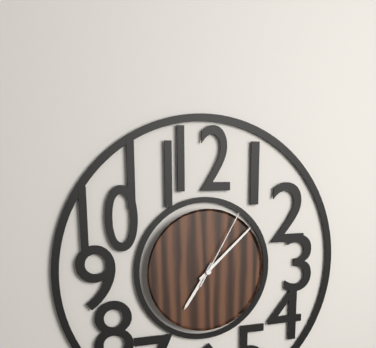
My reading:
**7:08:05**
